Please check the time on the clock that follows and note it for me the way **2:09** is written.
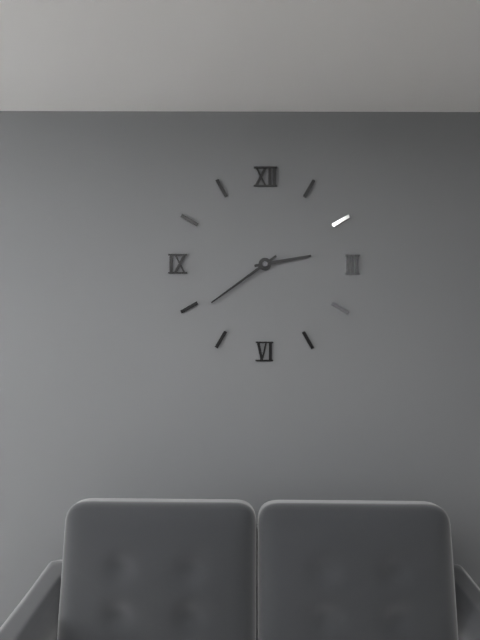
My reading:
**2:39**
